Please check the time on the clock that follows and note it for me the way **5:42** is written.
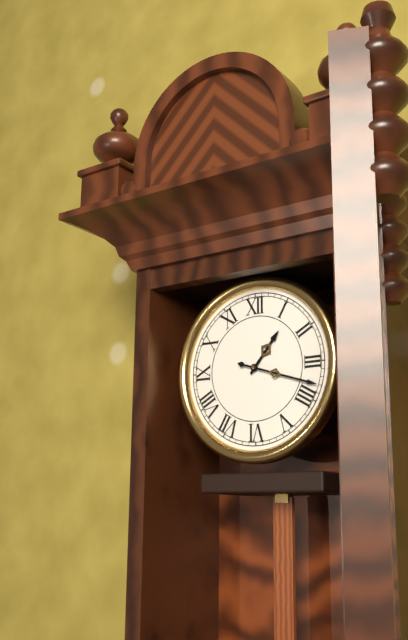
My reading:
**1:18**
